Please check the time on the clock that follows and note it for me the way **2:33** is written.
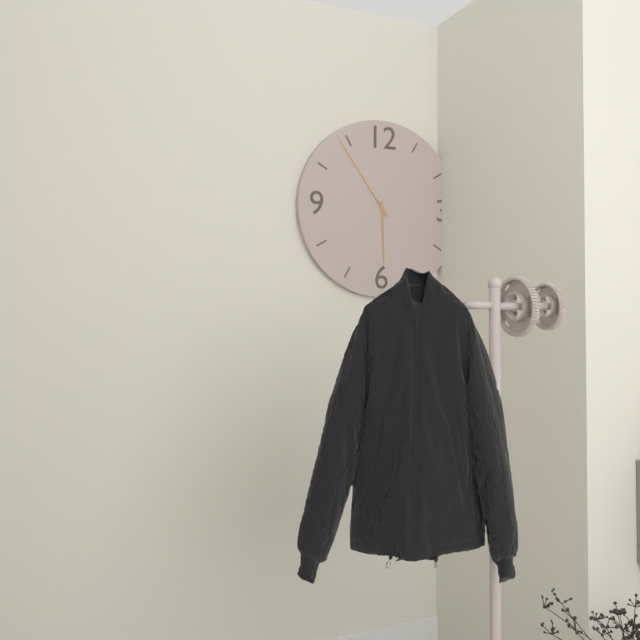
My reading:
**5:54**
